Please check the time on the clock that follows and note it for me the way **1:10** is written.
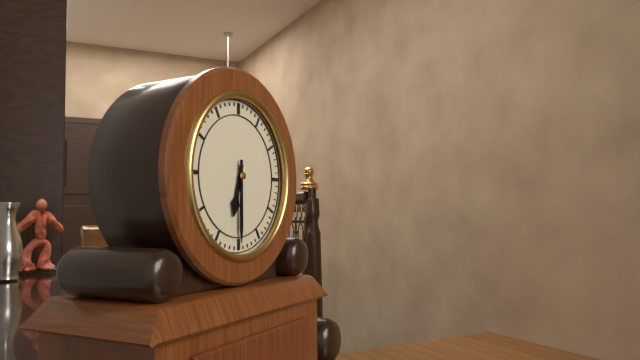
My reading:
**6:30**
